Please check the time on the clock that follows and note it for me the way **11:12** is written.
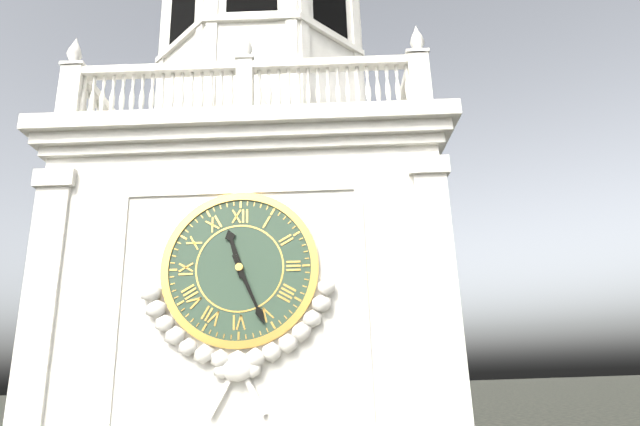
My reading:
**11:26**
